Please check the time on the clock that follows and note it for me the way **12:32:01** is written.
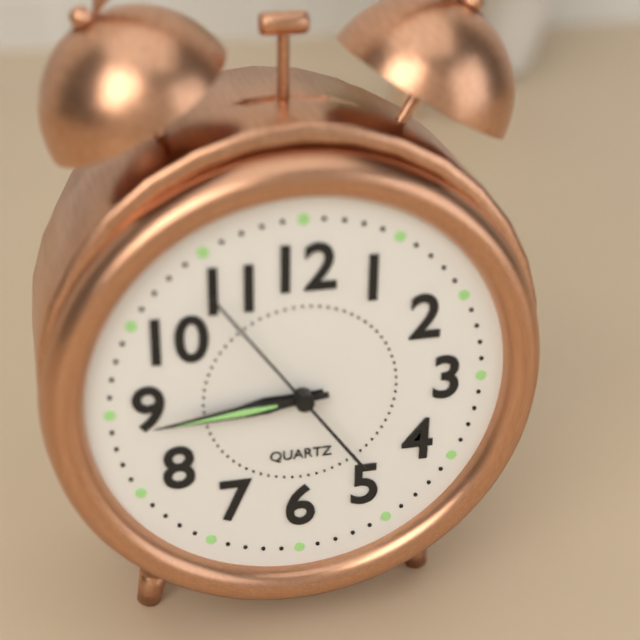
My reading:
**8:44:54**
